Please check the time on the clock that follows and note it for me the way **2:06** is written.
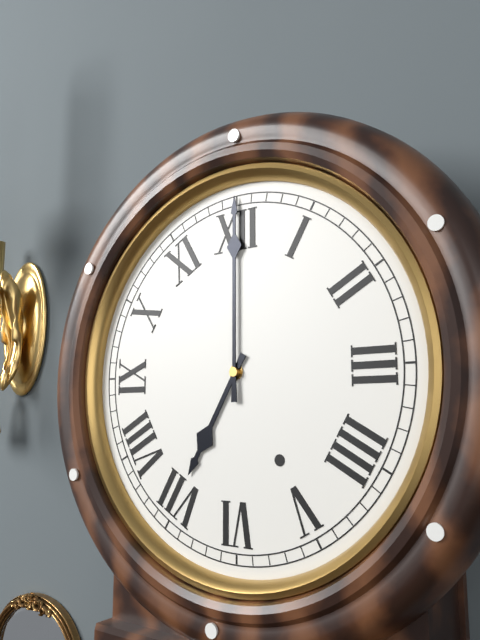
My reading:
**7:00**
